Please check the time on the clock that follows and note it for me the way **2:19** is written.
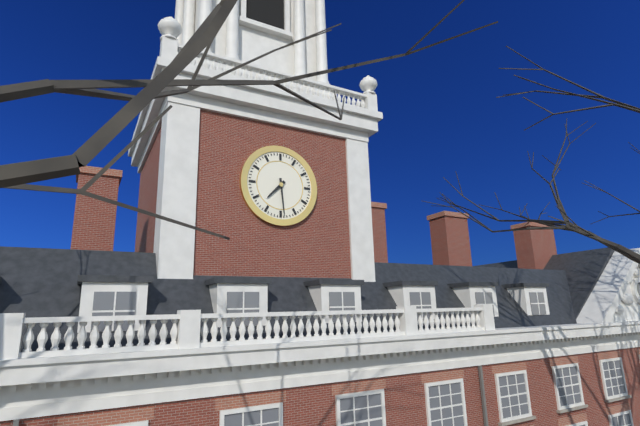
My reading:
**7:29**
